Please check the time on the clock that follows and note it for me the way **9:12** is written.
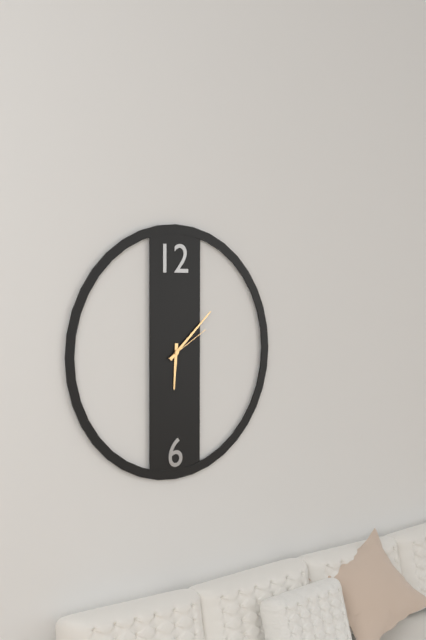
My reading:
**6:08**
